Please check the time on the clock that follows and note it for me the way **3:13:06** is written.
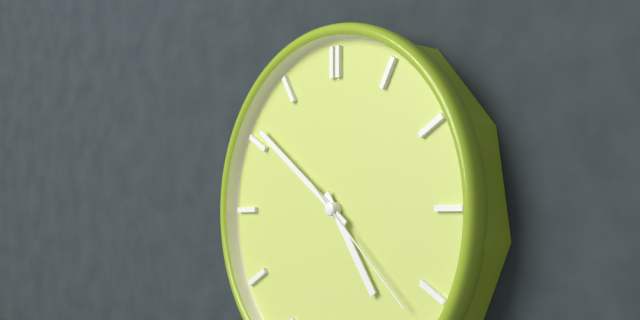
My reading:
**4:51:22**
